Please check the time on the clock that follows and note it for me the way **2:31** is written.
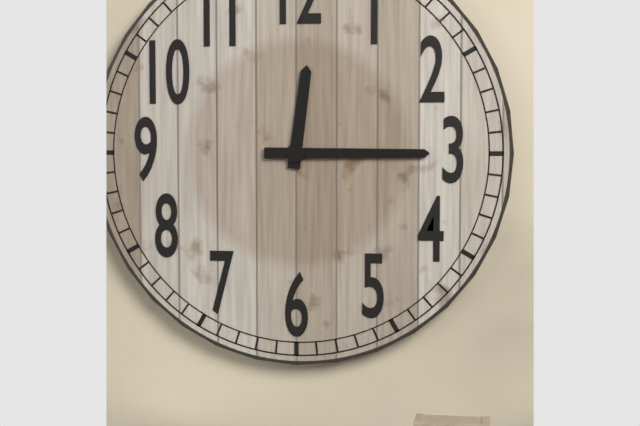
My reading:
**12:15**
